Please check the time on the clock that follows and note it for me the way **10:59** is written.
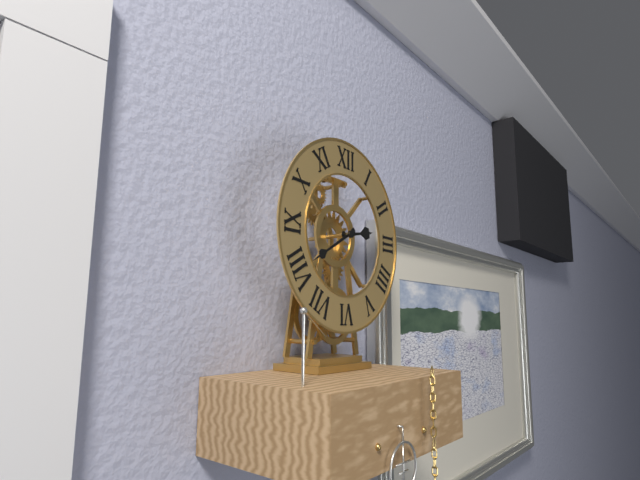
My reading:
**2:40**
